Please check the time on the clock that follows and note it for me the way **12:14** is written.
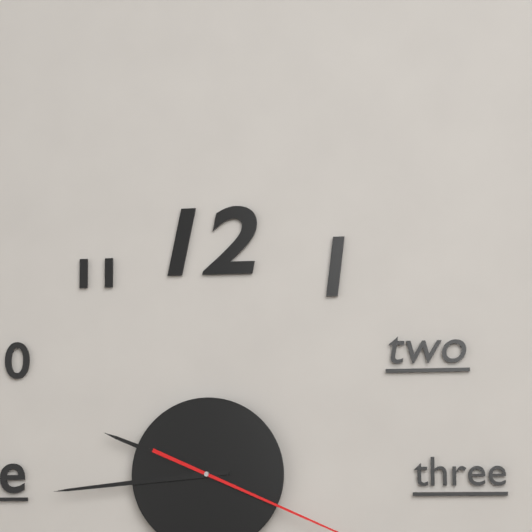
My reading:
**9:44**
